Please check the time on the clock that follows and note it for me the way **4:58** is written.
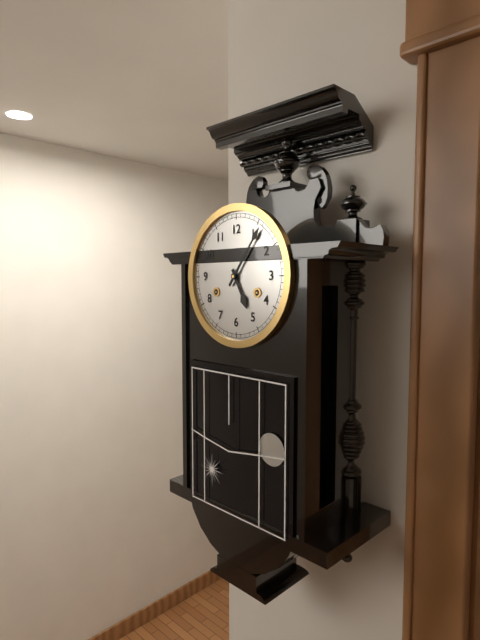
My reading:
**5:06**
